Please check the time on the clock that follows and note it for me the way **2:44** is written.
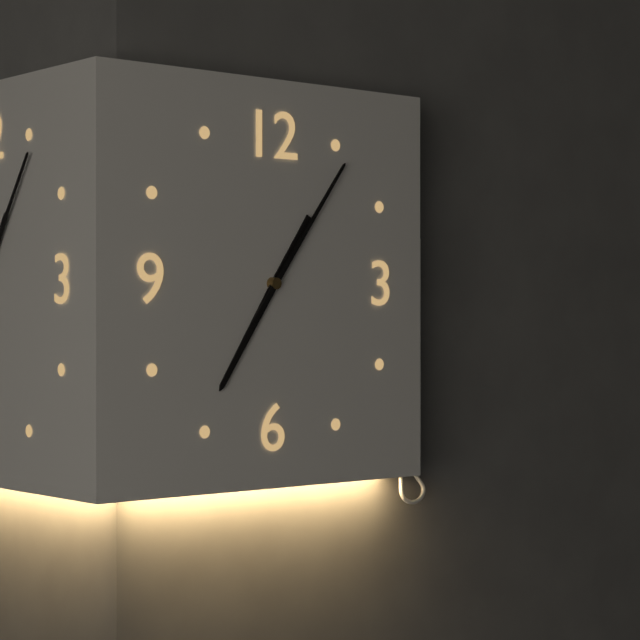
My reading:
**7:06**
